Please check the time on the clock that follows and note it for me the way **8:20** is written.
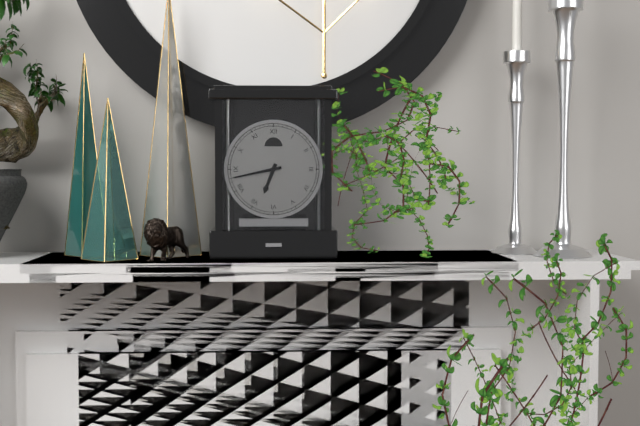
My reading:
**6:43**
